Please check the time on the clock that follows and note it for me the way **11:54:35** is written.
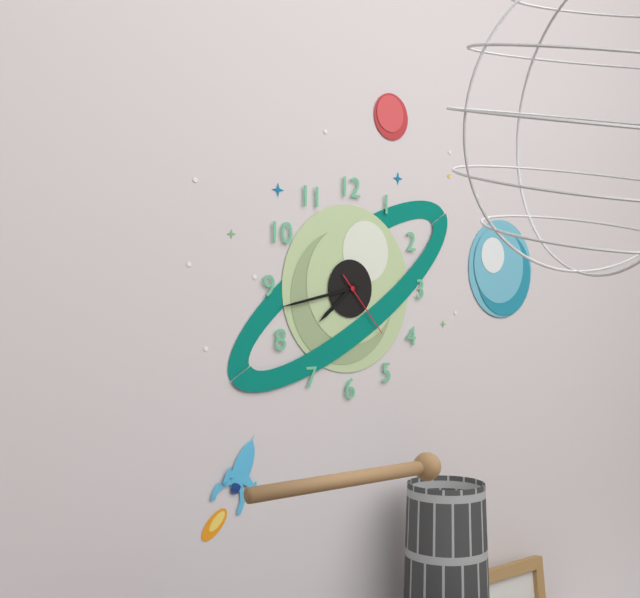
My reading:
**7:43:23**
